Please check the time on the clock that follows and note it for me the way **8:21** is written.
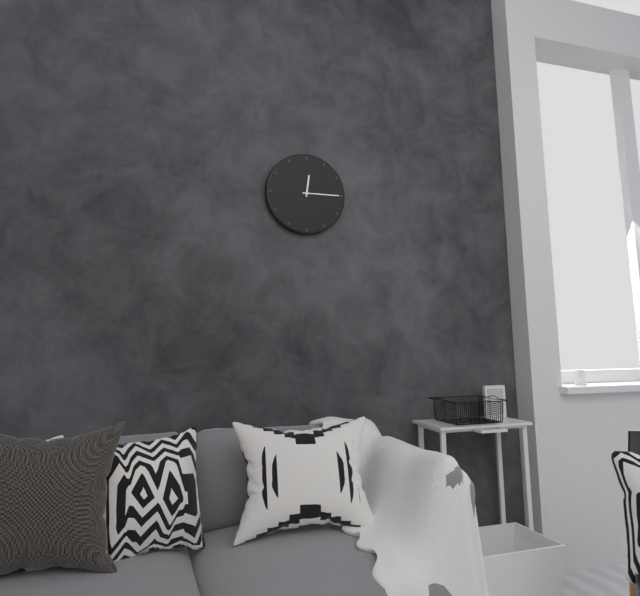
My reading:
**12:15**
